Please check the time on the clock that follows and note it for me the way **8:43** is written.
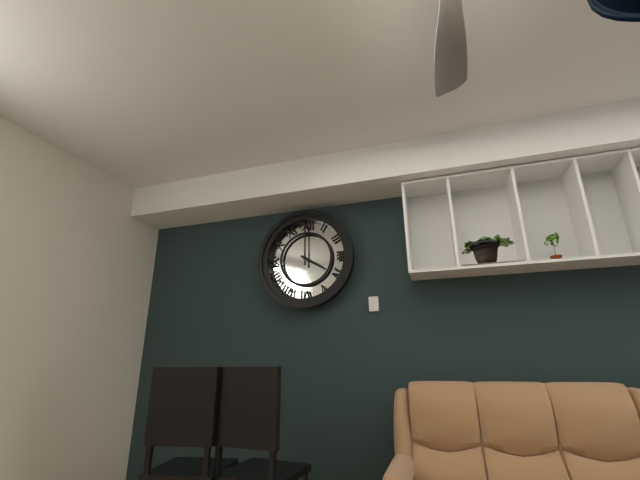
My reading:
**4:00**
